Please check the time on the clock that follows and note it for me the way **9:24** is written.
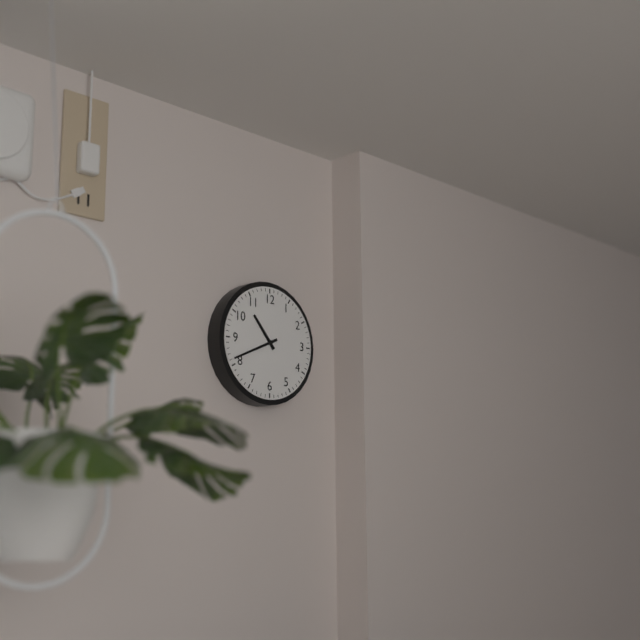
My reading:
**10:41**
